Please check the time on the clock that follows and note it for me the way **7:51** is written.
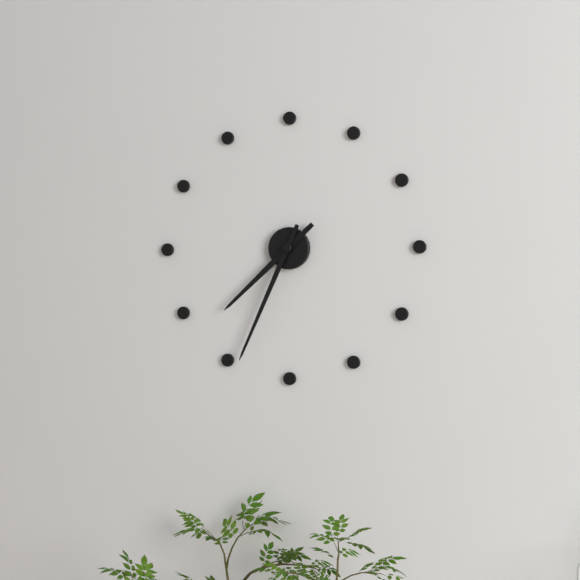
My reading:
**7:34**
